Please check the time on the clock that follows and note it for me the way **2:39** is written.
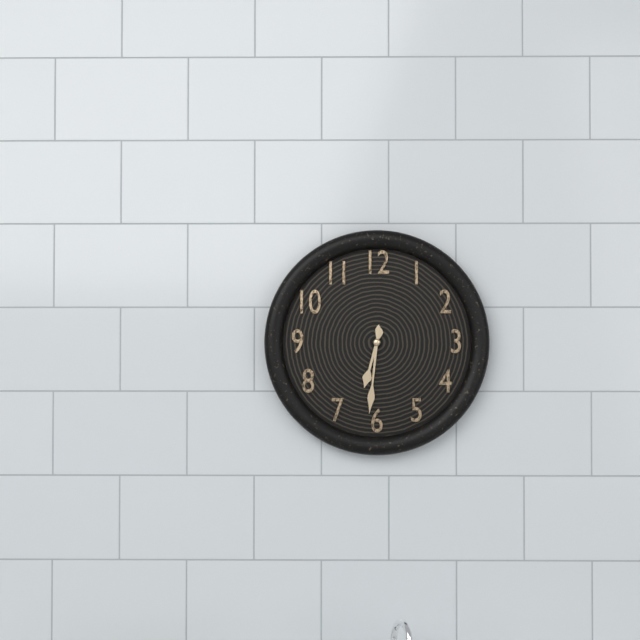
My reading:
**6:31**
